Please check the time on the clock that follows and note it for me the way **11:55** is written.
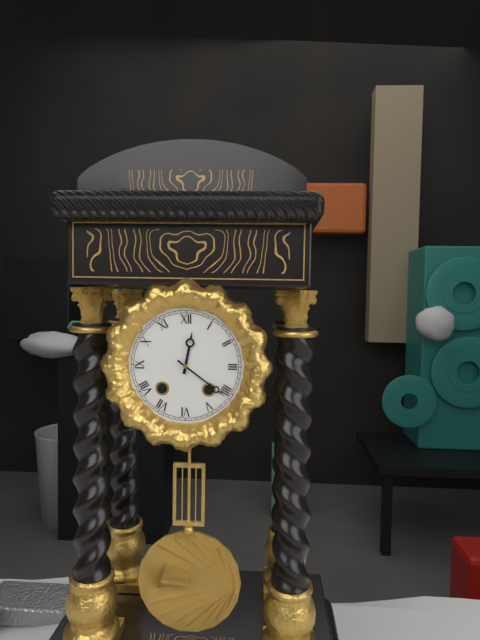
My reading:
**12:21**
